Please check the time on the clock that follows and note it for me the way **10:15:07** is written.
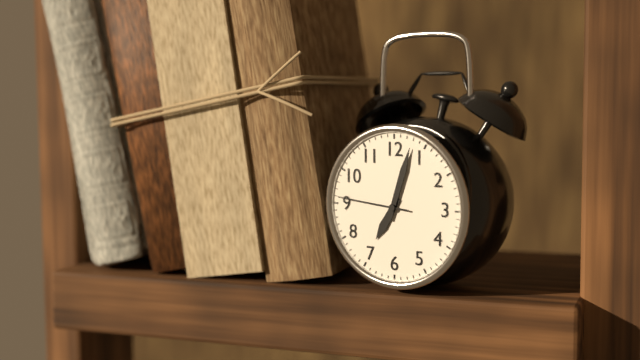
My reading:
**7:03:46**
